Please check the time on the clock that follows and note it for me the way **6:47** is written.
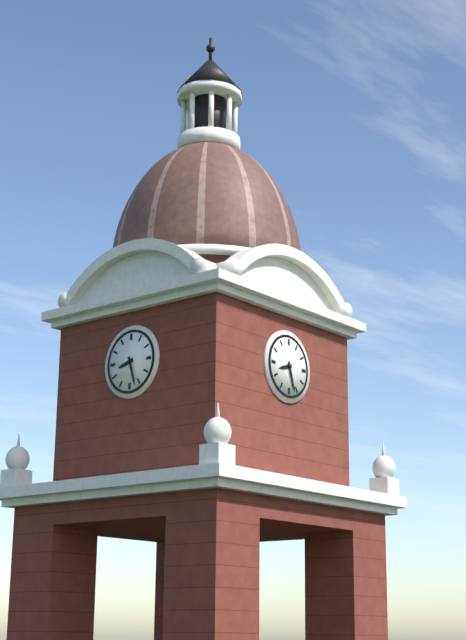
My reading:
**8:27**
